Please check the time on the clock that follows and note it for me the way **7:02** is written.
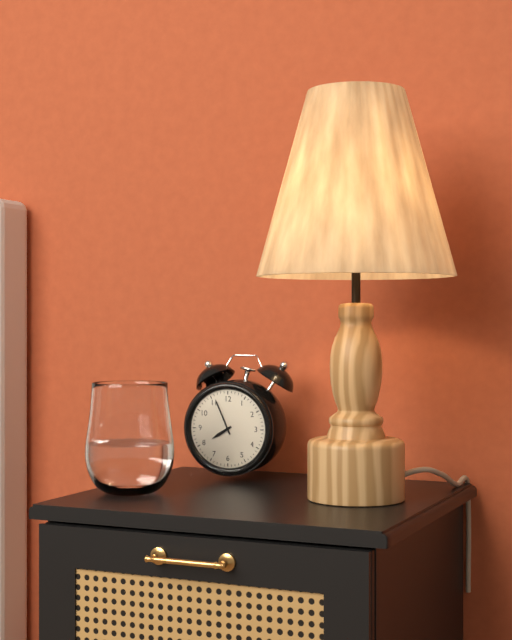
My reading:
**7:56**
